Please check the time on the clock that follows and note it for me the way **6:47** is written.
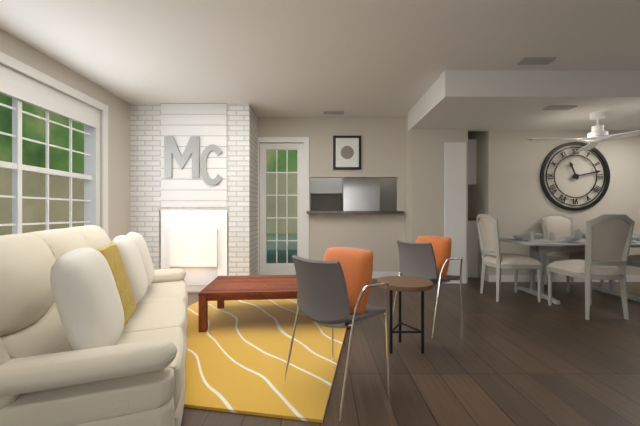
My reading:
**11:13**
